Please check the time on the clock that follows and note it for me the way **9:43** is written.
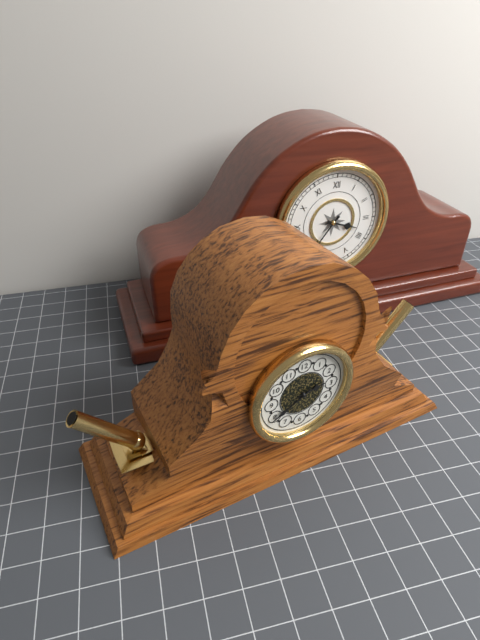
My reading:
**2:40**
